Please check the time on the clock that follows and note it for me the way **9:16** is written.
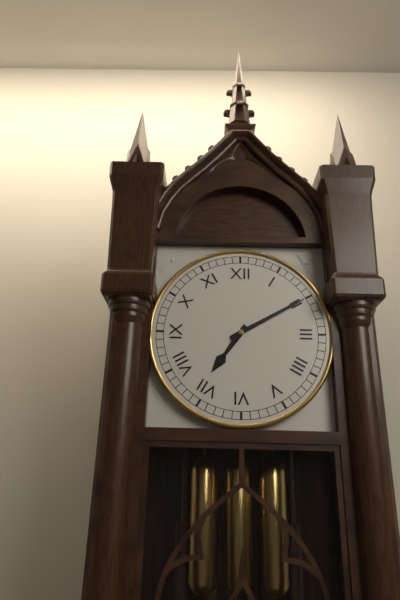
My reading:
**7:10**
